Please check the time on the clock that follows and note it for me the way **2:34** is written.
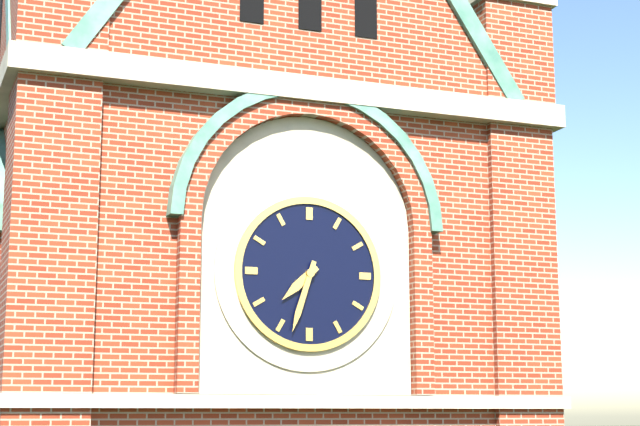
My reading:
**7:33**
